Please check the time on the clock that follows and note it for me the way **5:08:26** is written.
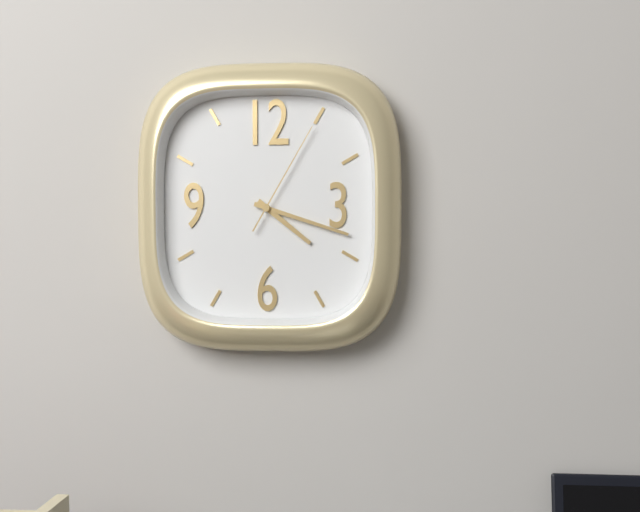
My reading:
**4:18:05**
